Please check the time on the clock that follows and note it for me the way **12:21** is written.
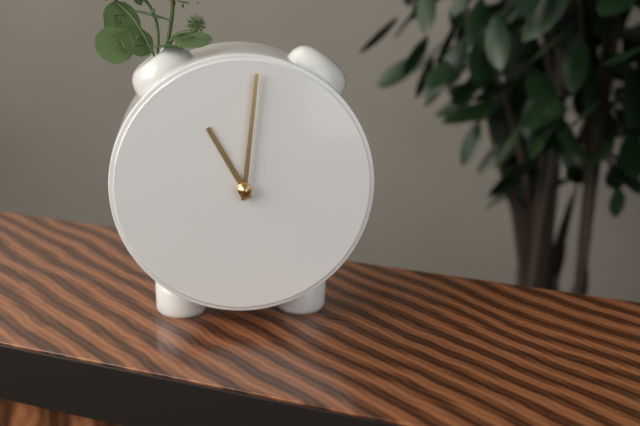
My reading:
**11:01**
